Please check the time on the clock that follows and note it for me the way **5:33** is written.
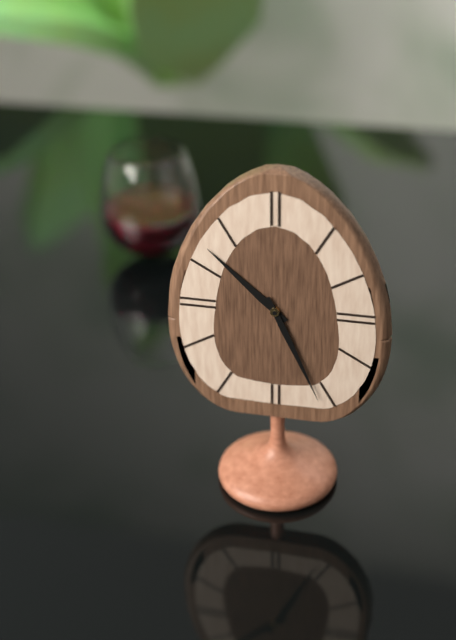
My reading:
**10:26**
